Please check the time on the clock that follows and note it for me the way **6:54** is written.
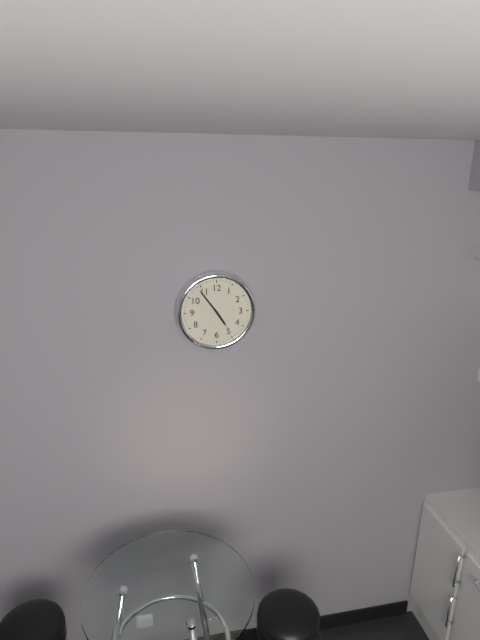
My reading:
**4:54**
